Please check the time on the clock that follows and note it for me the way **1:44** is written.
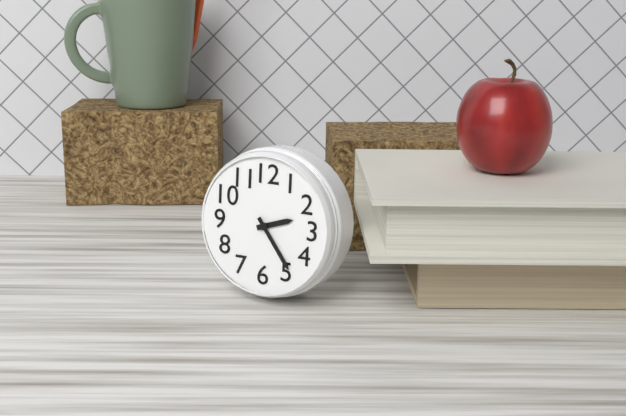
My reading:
**2:24**
